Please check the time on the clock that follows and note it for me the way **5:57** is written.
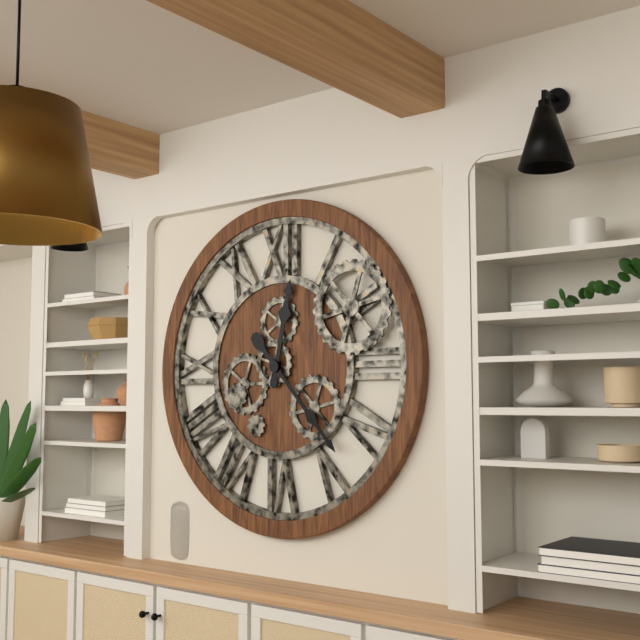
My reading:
**12:23**
